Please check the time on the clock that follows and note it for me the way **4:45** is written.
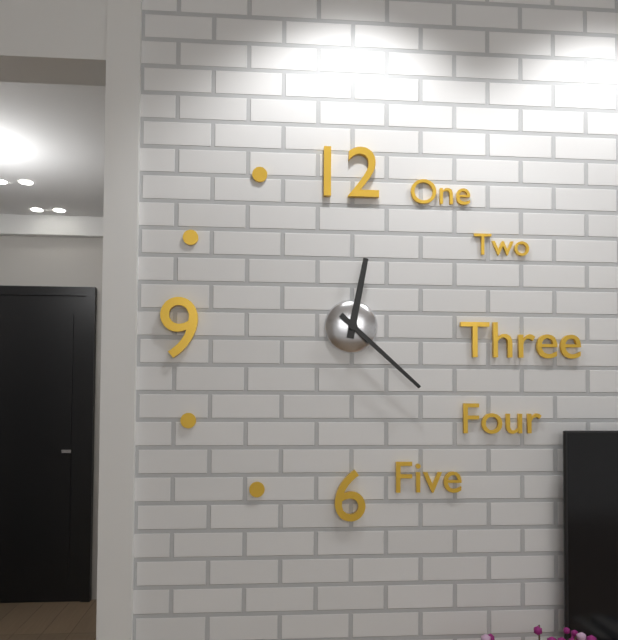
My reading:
**12:22**
